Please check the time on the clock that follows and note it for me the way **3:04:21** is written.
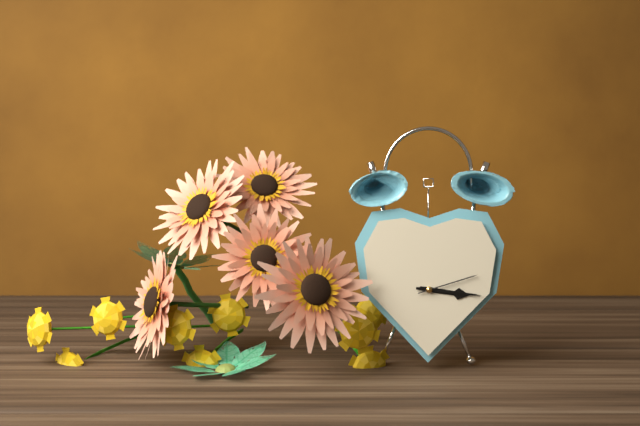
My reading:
**3:16:12**
